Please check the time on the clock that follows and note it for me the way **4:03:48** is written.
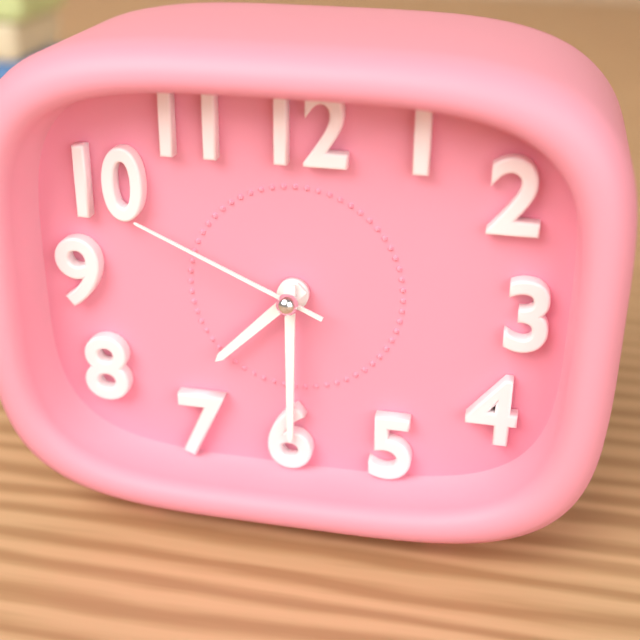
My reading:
**7:30:49**
